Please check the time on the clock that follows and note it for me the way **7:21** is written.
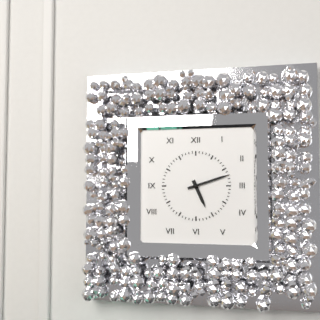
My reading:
**5:12**
